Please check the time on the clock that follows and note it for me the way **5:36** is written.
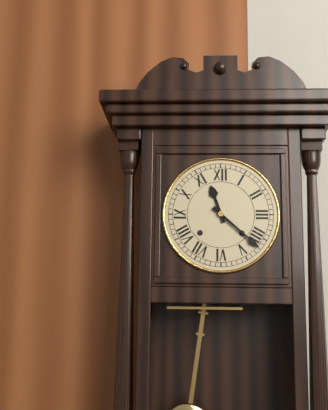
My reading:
**11:22**
